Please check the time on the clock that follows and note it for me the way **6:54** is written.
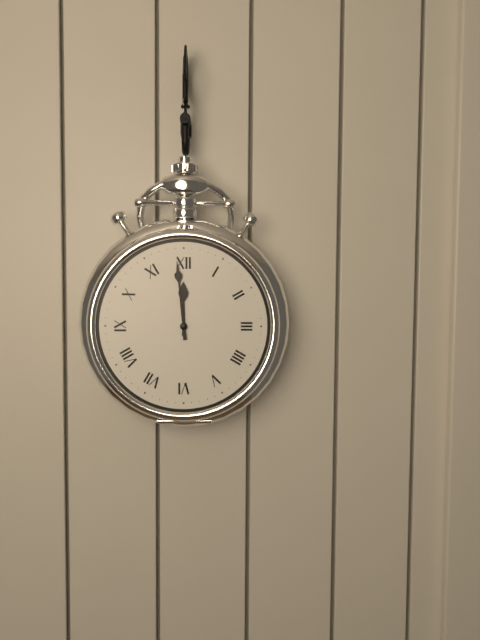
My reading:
**11:59**
